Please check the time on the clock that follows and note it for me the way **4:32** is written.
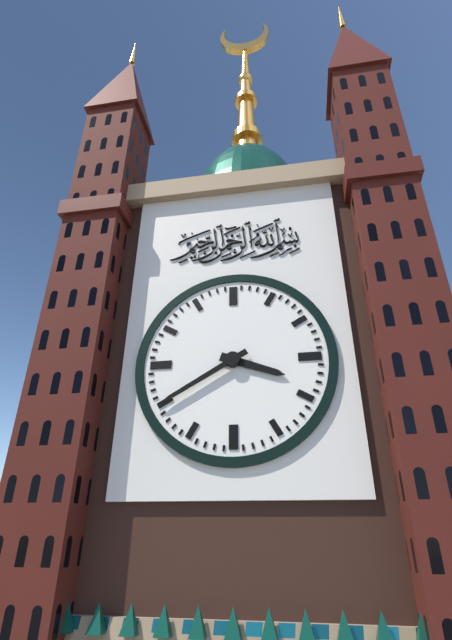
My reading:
**3:40**
